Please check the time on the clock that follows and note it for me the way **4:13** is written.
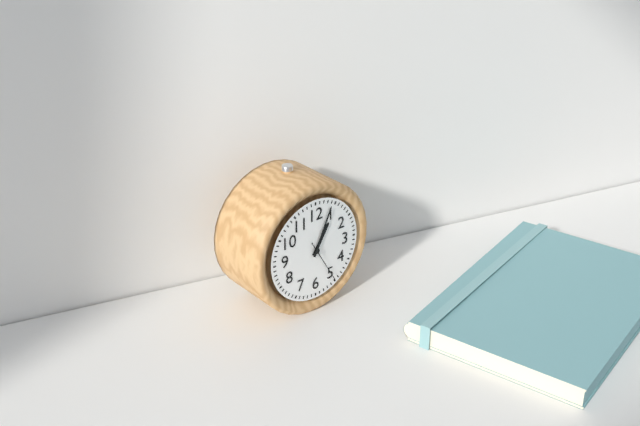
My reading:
**1:04**
